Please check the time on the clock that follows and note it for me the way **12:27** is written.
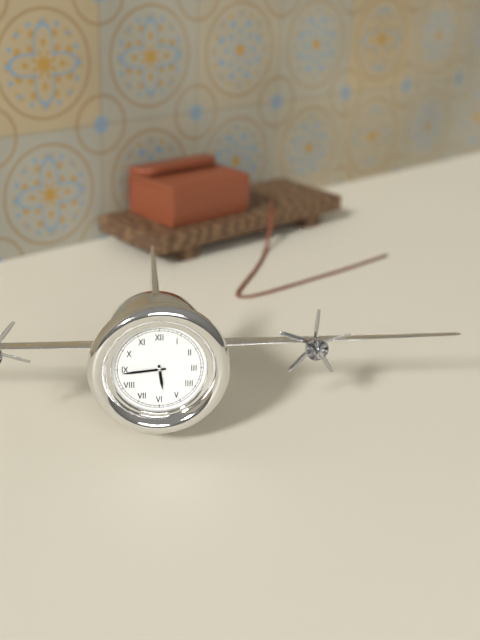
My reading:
**5:44**
